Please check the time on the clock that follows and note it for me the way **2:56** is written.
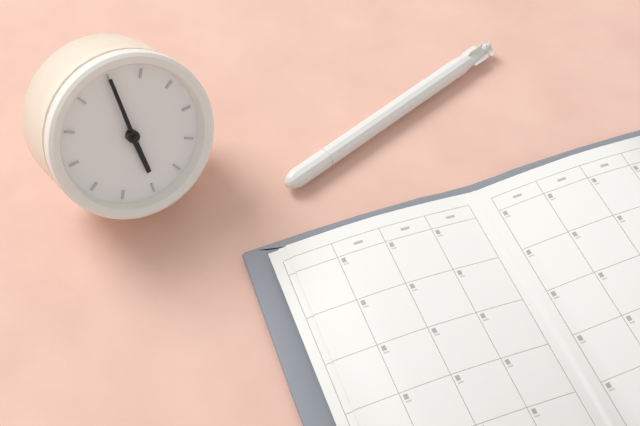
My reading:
**4:55**
